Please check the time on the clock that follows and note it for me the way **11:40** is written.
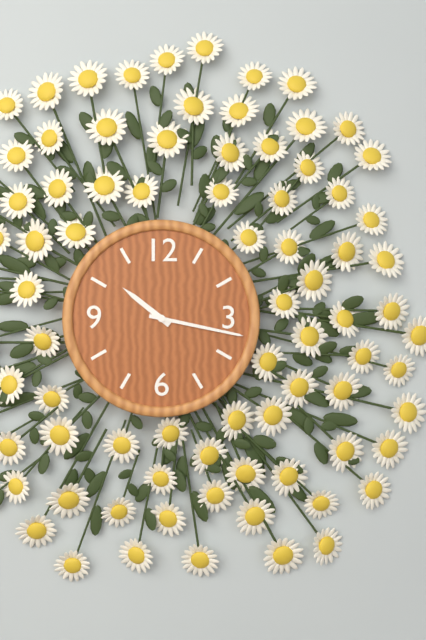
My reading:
**10:17**
